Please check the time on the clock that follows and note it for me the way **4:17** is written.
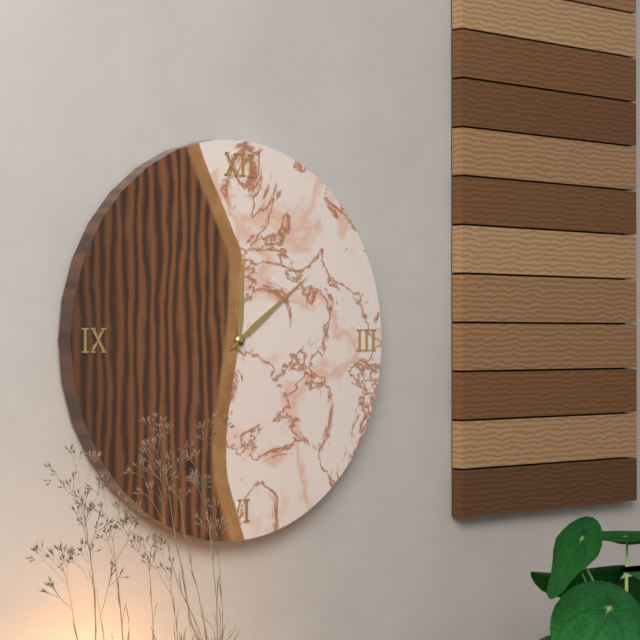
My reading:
**12:09**
